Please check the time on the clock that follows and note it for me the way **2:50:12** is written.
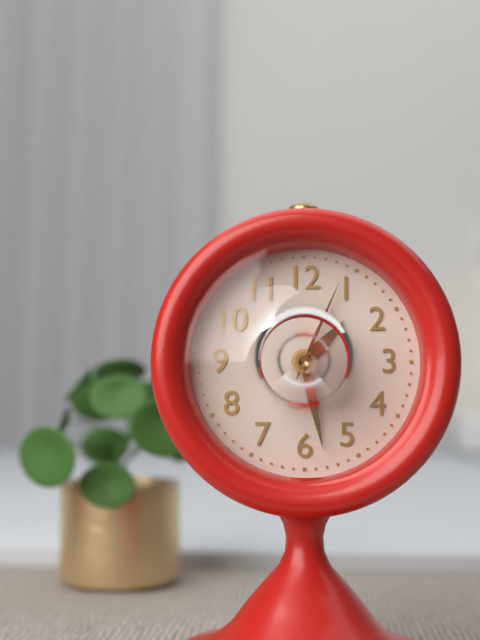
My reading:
**1:28:04**
